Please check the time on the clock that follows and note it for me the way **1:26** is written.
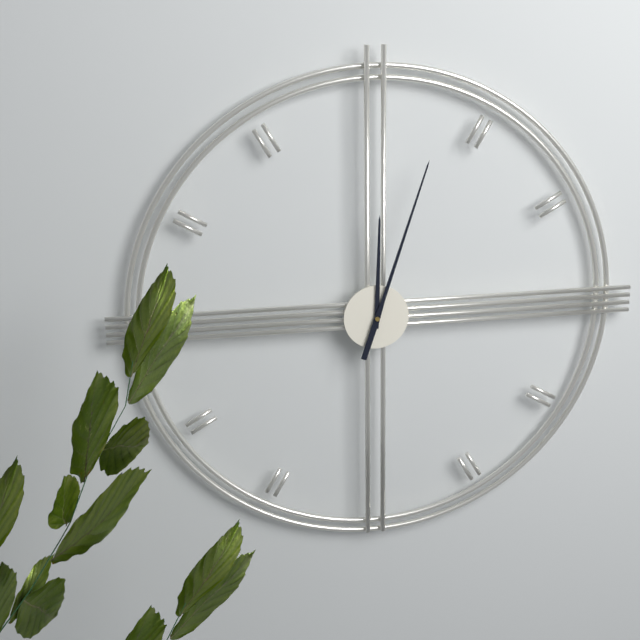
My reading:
**12:03**
